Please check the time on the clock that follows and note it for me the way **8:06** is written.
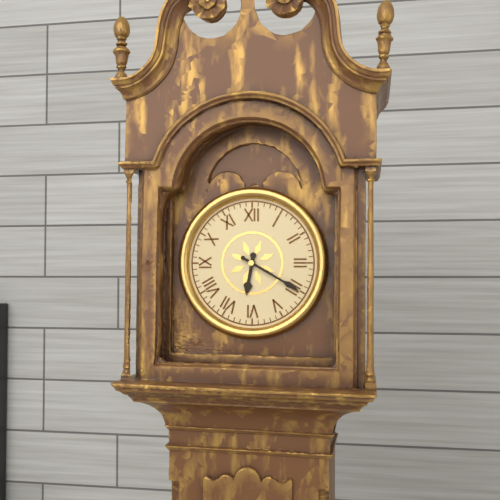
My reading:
**6:20**
